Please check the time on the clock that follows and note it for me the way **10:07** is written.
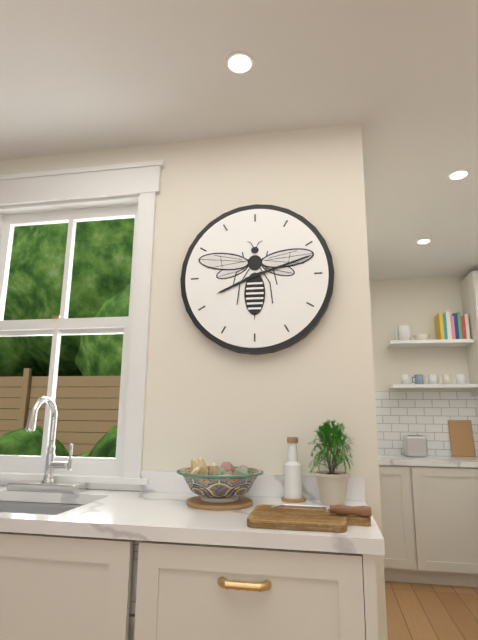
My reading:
**8:12**
